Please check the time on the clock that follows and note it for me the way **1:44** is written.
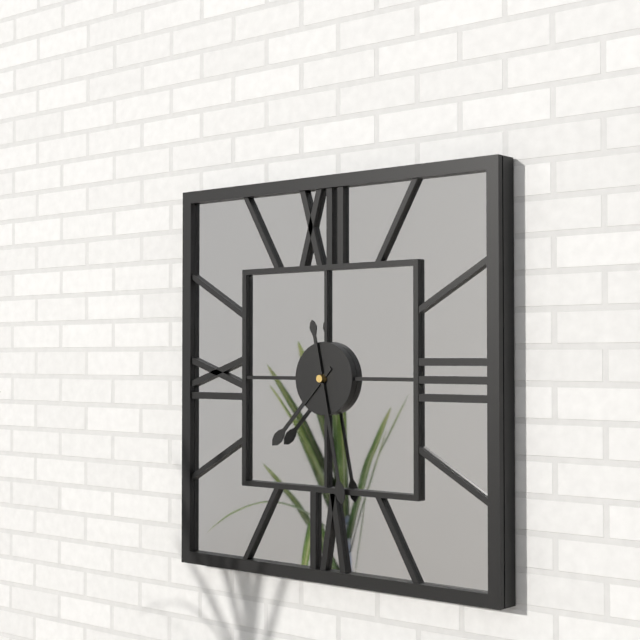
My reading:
**7:28**
